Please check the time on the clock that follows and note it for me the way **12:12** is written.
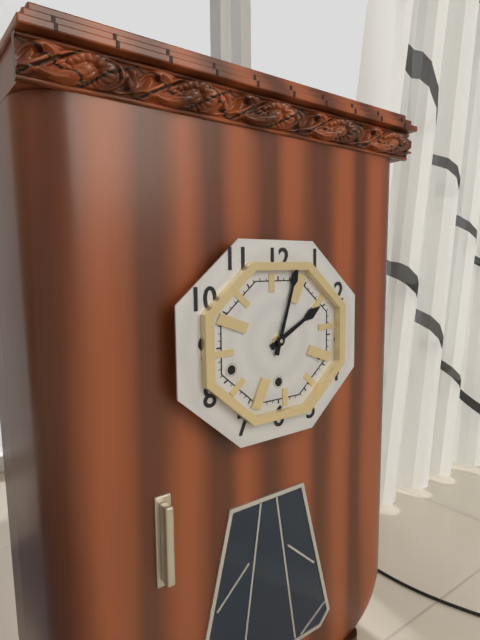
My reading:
**2:03**
